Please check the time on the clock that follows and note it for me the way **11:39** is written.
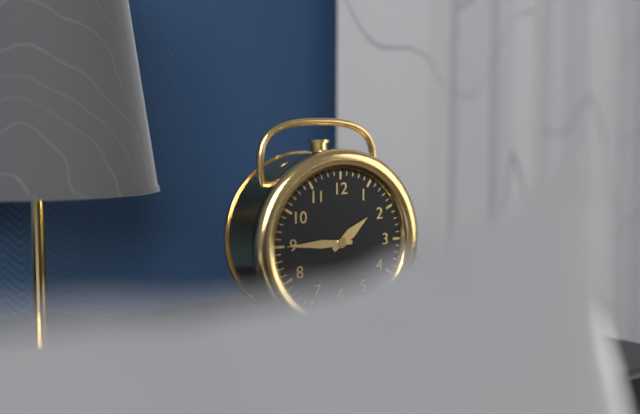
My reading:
**1:45**
